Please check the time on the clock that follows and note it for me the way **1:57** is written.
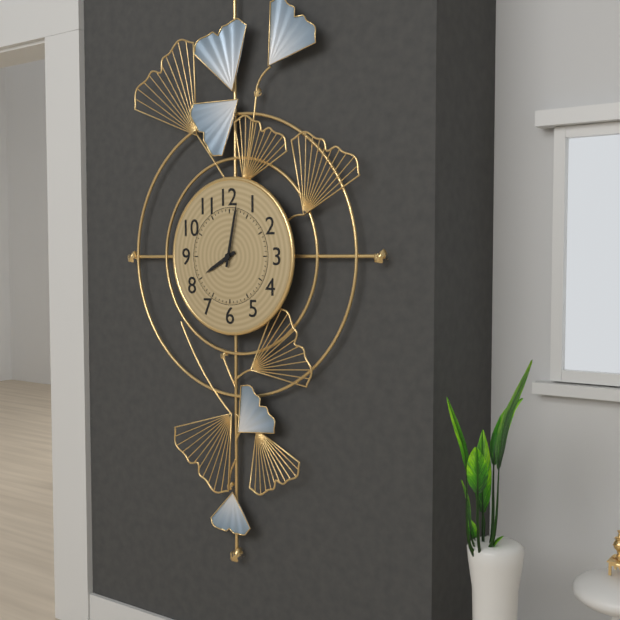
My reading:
**8:02**
